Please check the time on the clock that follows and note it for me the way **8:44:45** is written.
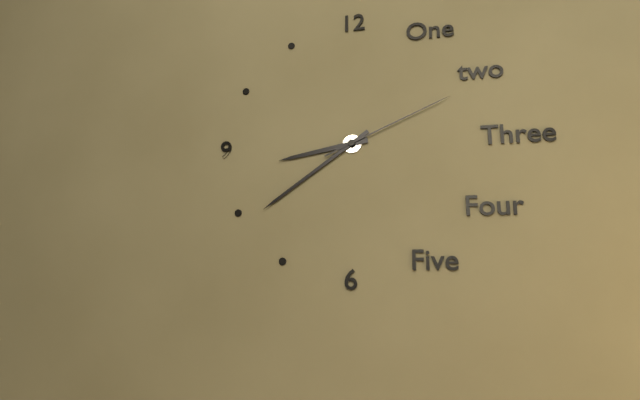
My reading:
**8:39:11**
